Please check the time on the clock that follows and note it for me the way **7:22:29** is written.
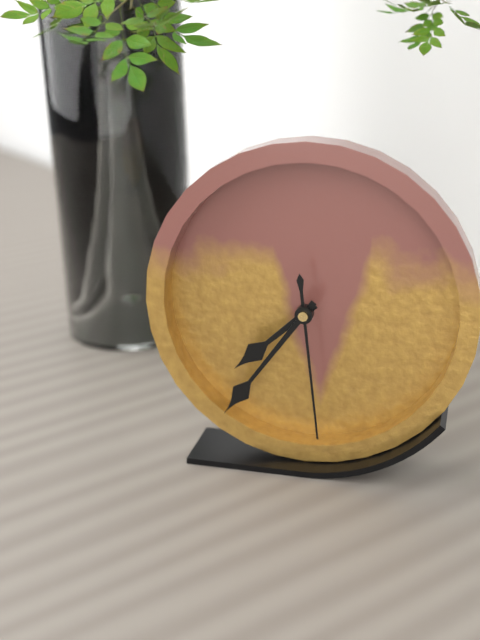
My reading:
**7:36:29**
